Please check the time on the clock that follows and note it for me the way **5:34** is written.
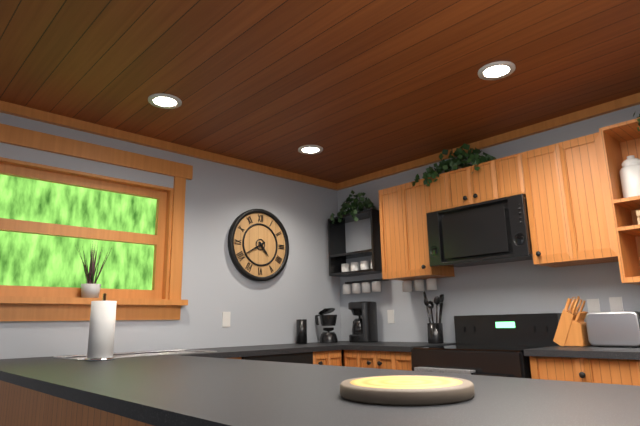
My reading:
**4:40**
